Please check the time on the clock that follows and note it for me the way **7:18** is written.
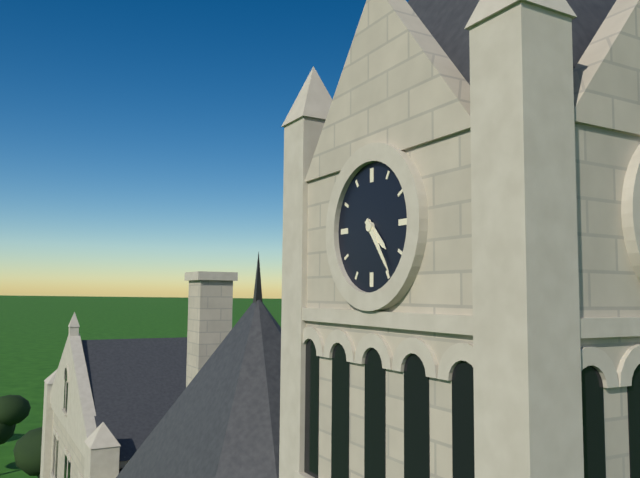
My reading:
**4:24**
